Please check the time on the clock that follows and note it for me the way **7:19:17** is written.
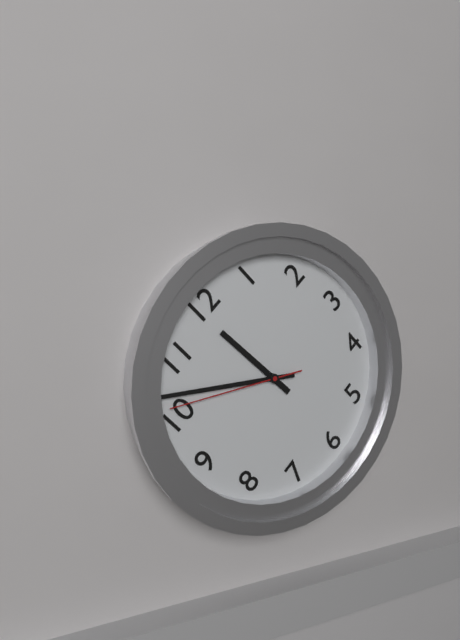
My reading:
**11:52:51**
